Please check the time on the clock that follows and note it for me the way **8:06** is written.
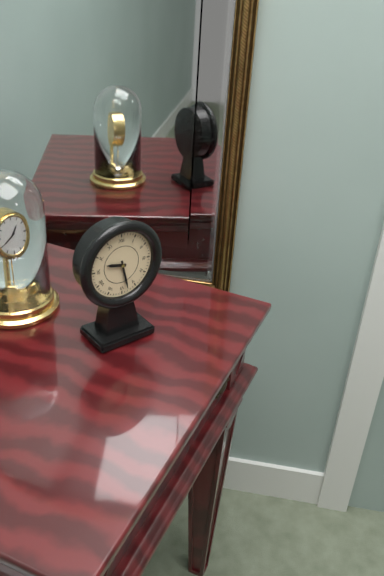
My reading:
**9:28**
